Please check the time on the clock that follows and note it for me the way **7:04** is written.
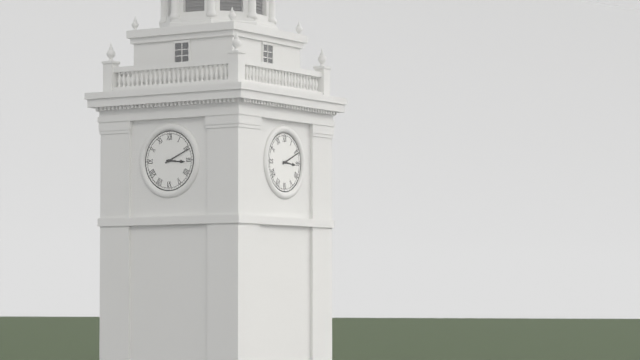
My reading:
**3:11**
